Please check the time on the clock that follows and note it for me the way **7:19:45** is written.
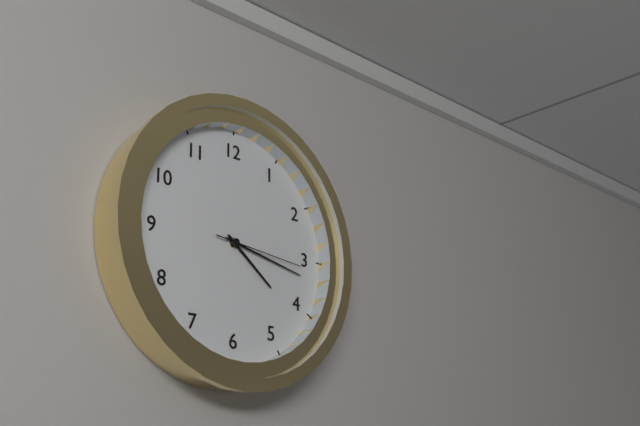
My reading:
**4:17:16**
